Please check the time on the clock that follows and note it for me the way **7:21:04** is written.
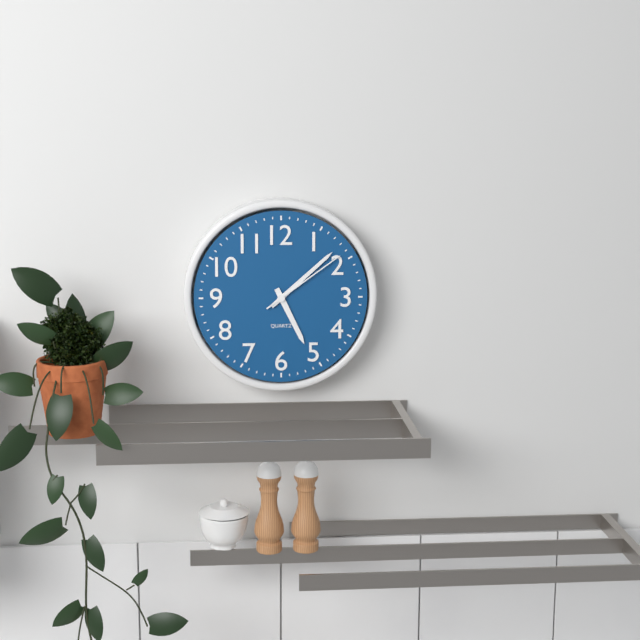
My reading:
**5:08:09**
